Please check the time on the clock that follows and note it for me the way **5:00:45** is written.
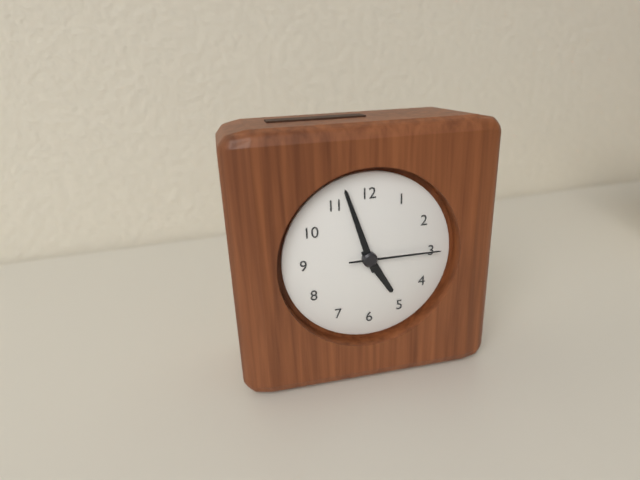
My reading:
**4:57:15**
